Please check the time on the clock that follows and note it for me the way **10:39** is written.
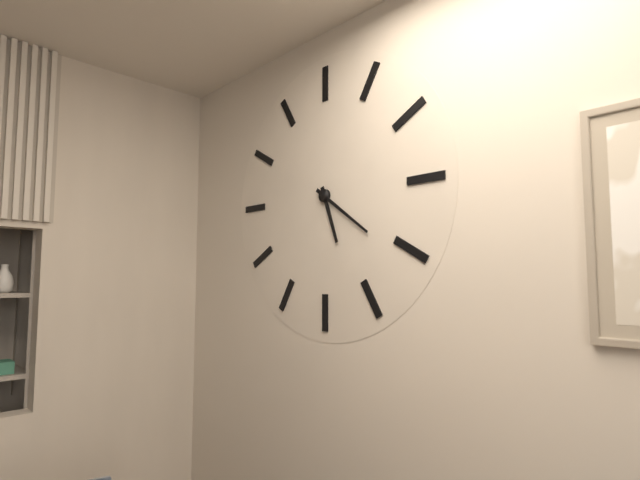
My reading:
**5:21**
